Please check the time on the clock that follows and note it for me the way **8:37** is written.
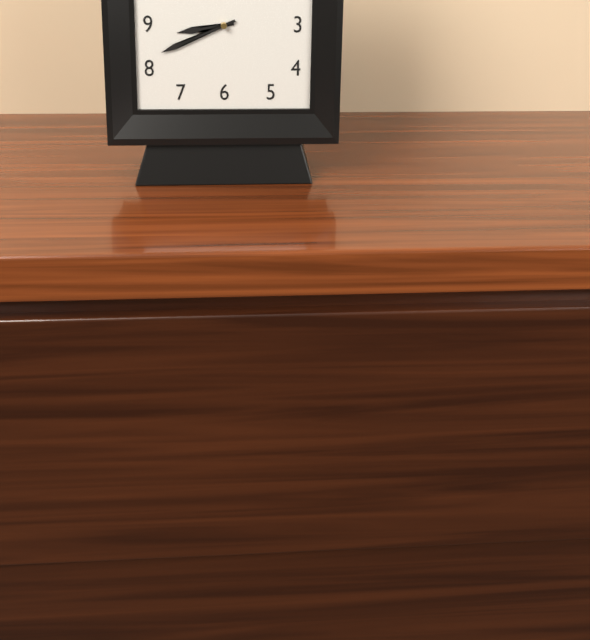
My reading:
**8:41**
